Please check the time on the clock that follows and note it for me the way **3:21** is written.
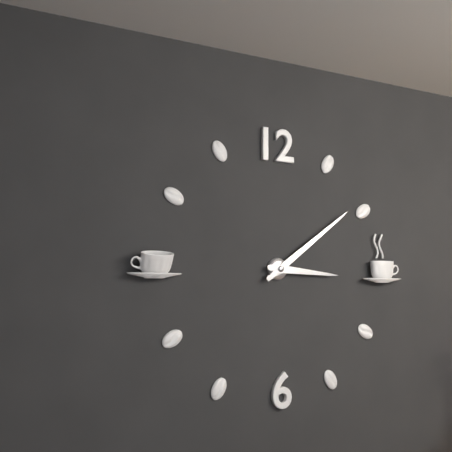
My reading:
**3:09**
